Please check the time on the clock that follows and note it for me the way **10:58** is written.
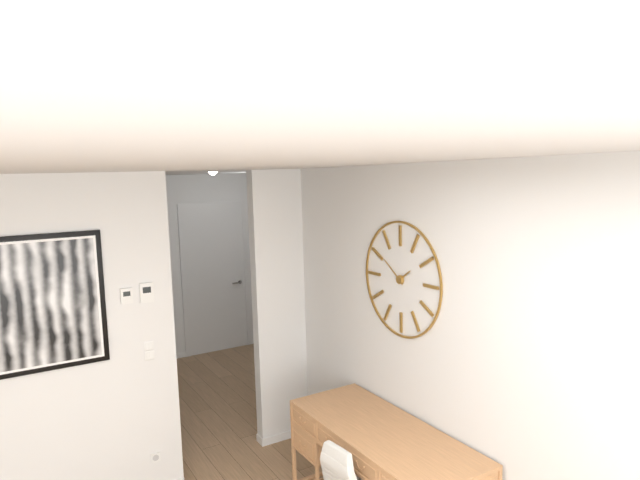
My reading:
**1:51**
